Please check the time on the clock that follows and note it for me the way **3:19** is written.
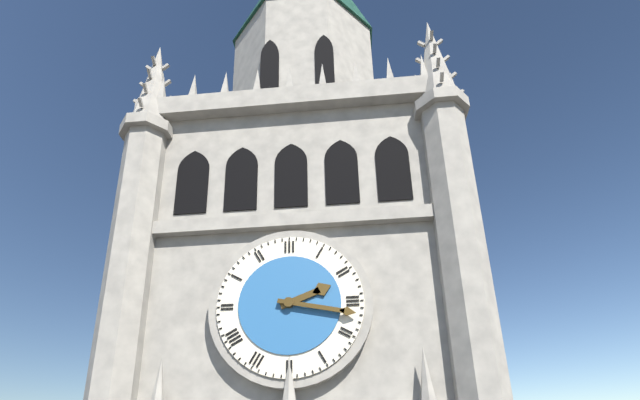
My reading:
**2:17**
